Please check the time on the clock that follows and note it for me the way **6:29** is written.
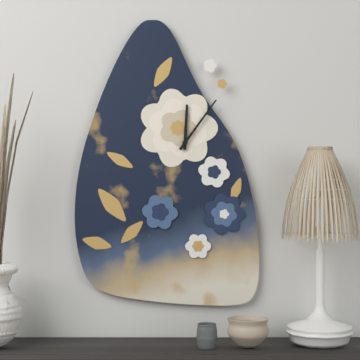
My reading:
**12:06**
